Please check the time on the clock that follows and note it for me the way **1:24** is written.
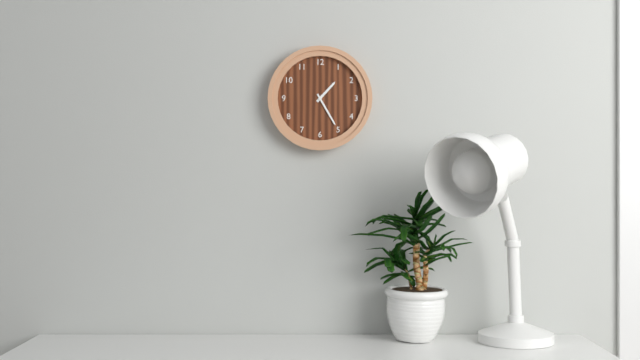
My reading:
**1:25**
